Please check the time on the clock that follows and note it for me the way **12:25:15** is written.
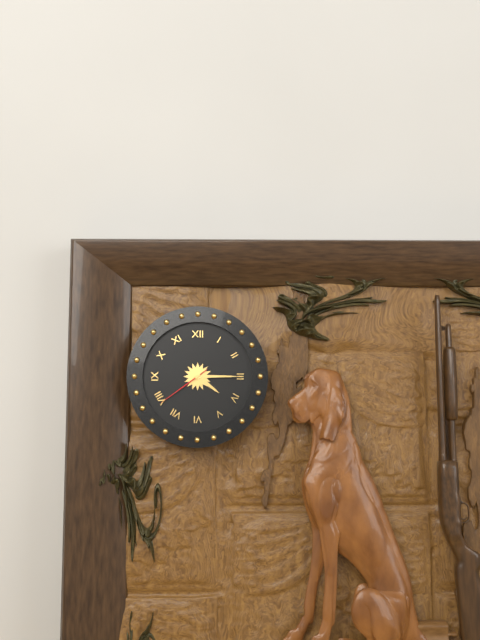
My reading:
**4:15:39**
